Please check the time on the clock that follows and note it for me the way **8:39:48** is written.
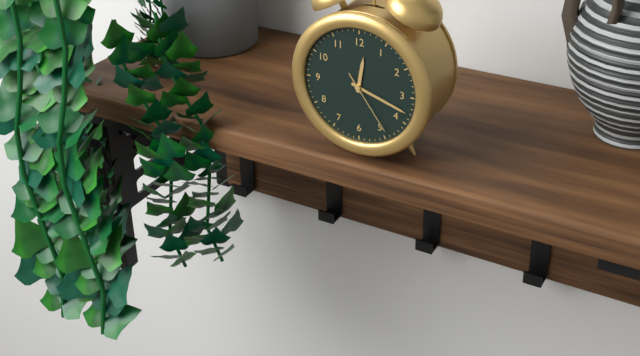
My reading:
**12:18:24**
